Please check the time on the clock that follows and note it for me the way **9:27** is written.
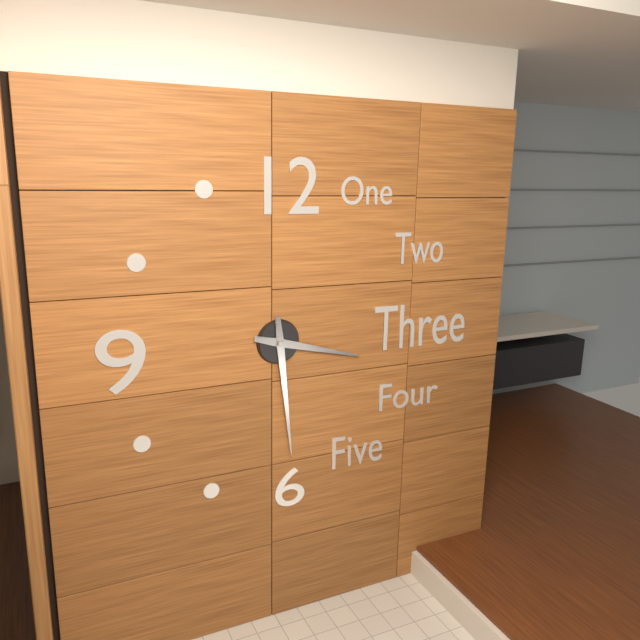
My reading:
**3:29**
